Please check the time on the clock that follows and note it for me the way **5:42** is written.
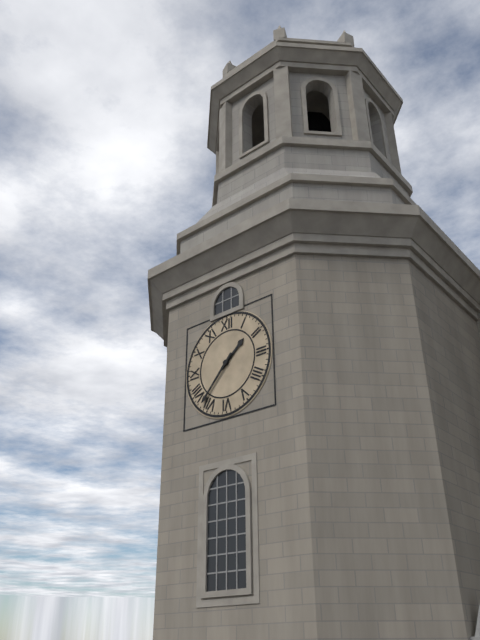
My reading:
**1:37**
